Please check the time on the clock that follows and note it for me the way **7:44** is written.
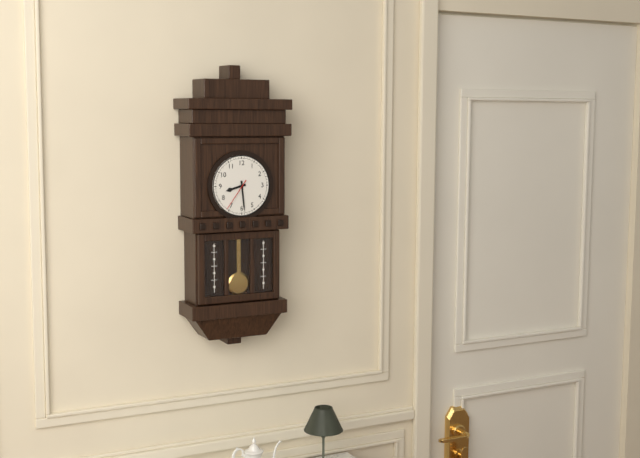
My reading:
**8:29**
